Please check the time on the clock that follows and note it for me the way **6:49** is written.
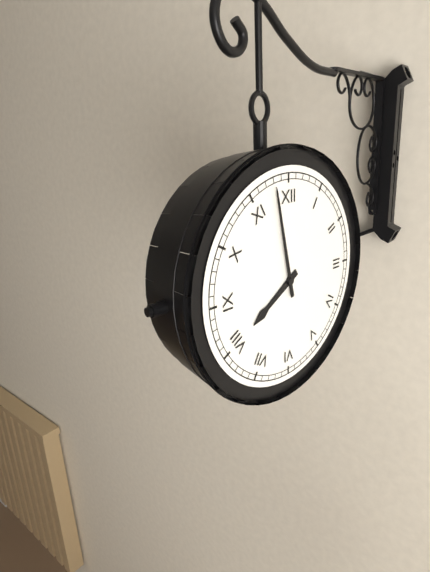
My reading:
**7:58**
